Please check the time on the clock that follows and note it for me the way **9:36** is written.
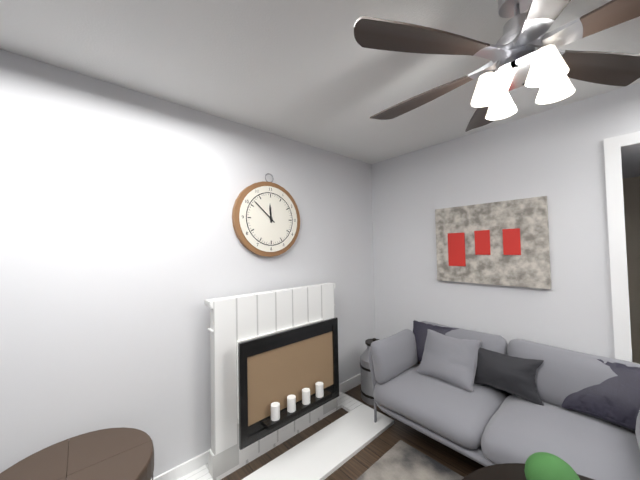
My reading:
**11:52**
